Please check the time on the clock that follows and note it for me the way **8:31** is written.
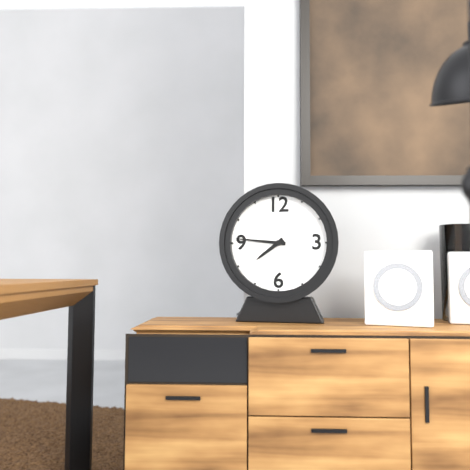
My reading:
**7:46**
